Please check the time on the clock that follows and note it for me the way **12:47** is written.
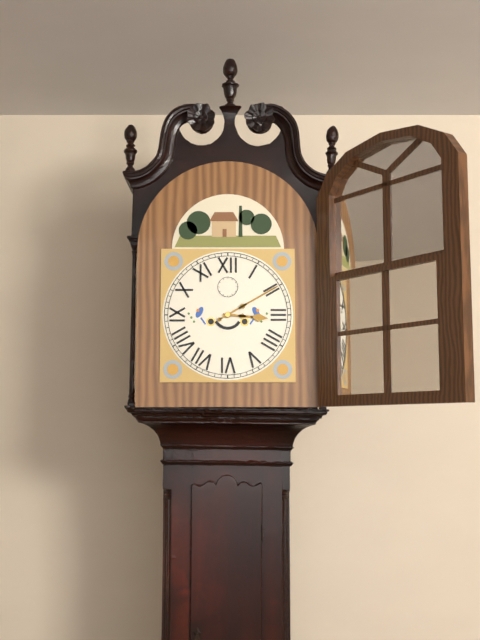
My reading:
**3:10**
